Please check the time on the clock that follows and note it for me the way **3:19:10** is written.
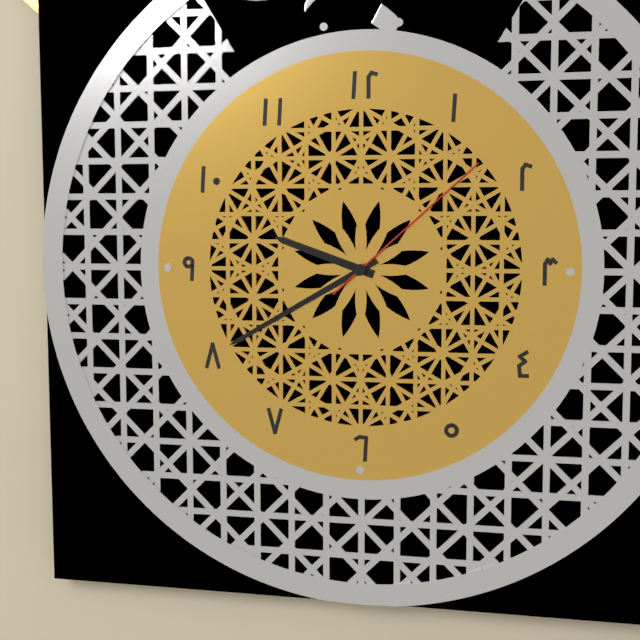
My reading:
**9:40:08**
